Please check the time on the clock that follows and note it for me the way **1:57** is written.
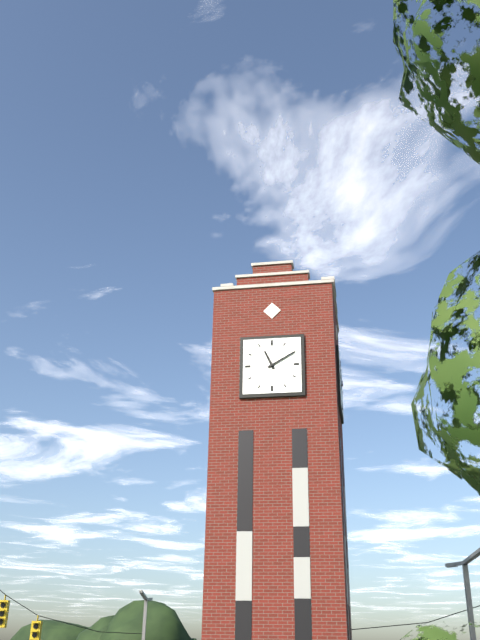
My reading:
**11:10**
